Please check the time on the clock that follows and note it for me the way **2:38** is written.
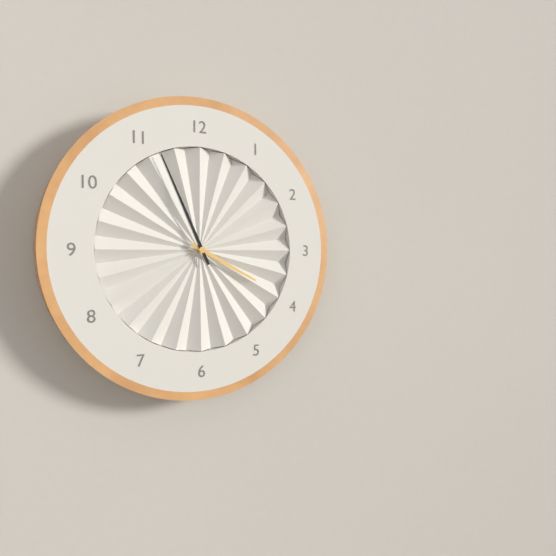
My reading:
**3:56**
